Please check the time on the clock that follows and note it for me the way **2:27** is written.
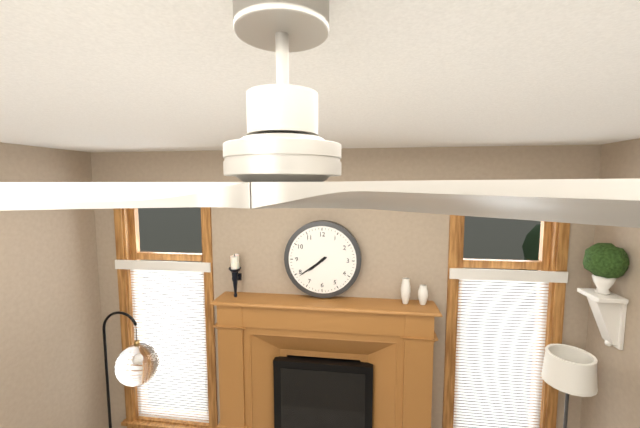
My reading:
**7:39**
